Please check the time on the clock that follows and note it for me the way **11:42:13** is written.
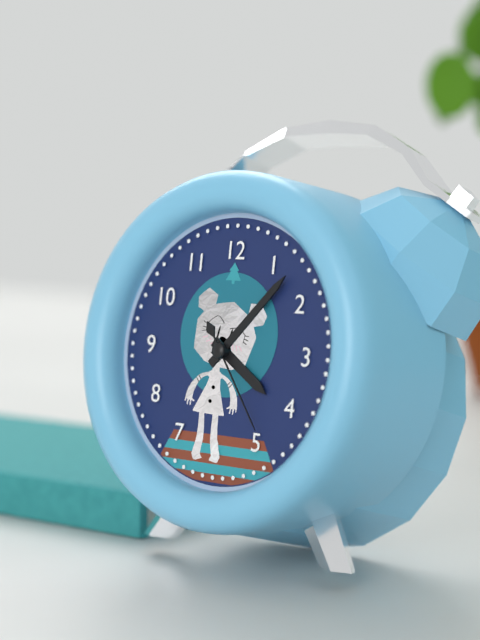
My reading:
**4:07:24**
